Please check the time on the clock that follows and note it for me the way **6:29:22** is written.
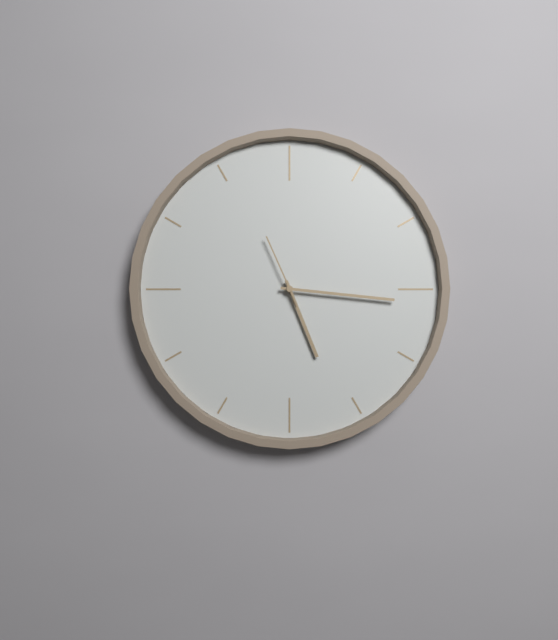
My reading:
**5:16:56**
